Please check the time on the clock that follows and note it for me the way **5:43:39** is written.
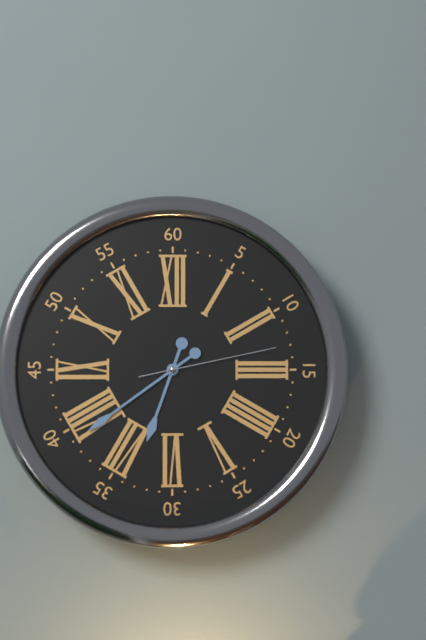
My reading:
**6:39:13**
